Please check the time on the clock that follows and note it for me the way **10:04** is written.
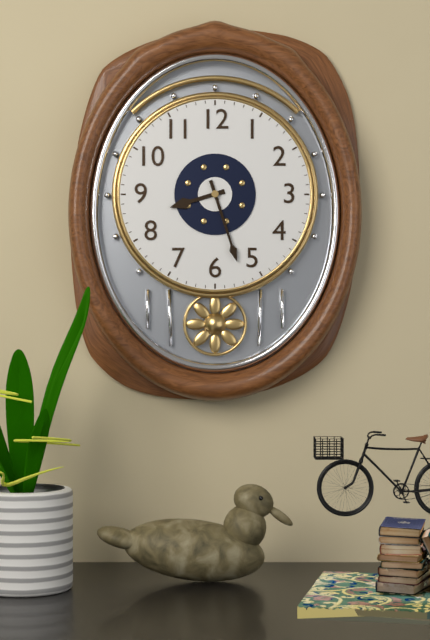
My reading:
**8:27**
